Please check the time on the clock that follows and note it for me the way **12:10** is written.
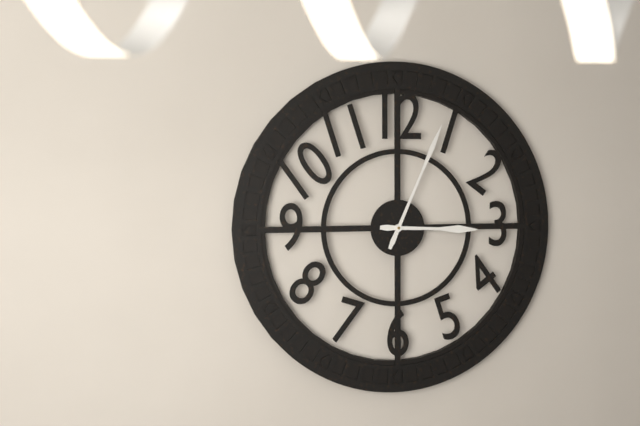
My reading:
**3:04**
